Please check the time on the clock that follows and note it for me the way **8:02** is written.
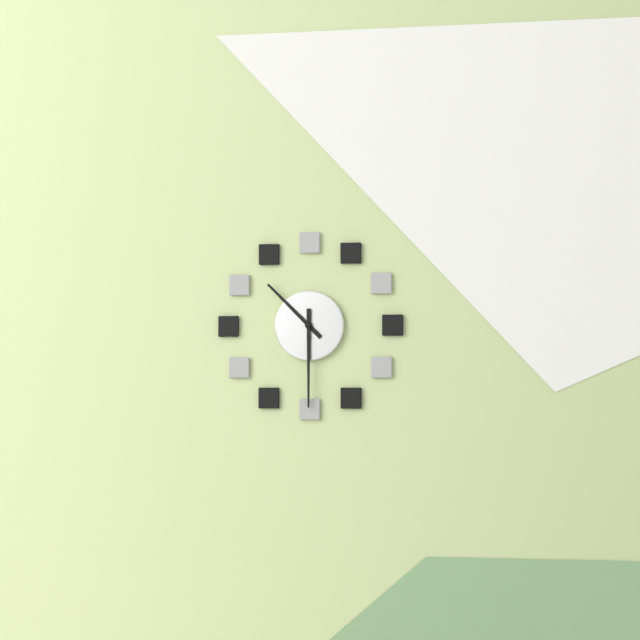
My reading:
**10:30**
